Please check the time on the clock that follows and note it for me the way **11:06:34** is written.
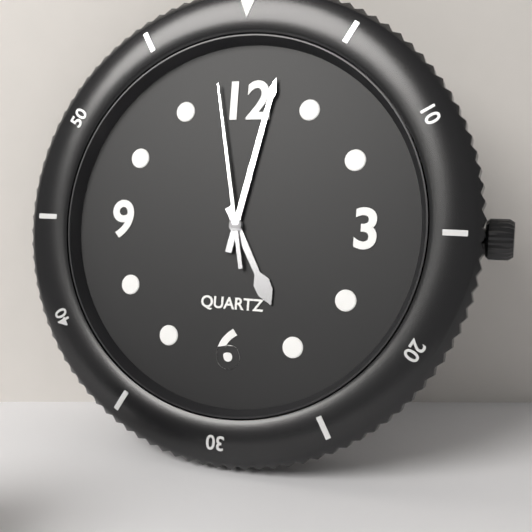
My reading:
**5:02:58**
